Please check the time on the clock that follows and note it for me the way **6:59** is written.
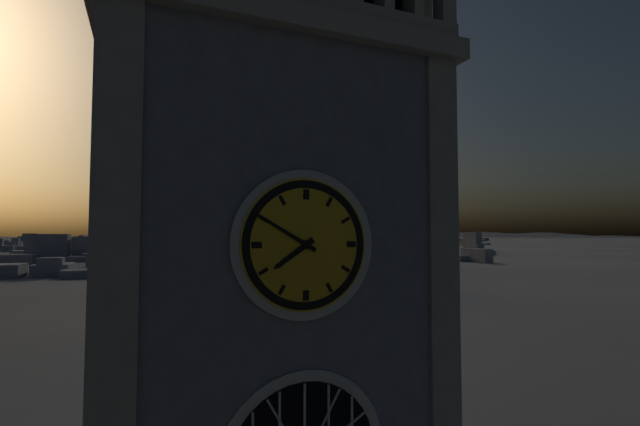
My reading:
**7:50**
